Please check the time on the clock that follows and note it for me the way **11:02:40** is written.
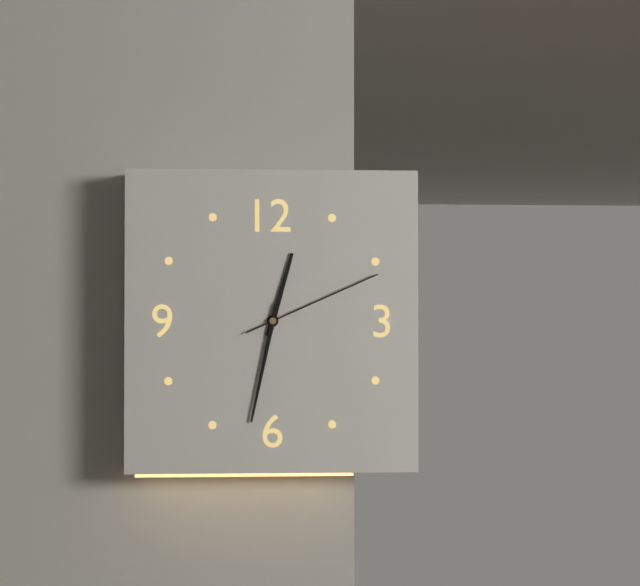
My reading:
**12:32:11**
